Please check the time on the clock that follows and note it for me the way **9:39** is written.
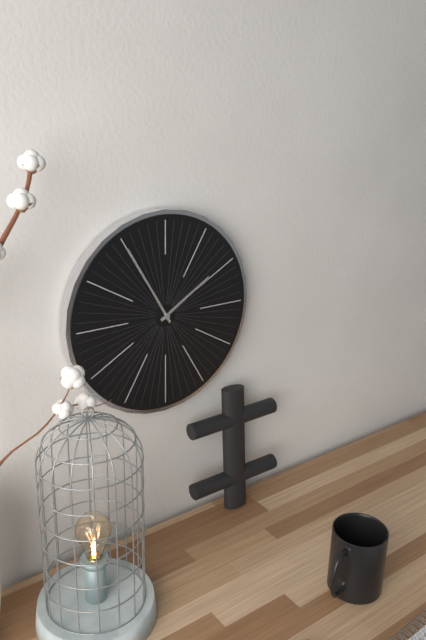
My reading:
**1:55**
